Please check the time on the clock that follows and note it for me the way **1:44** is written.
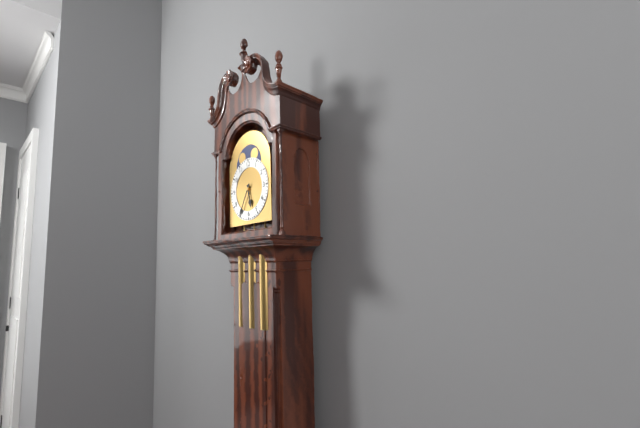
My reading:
**5:35**
